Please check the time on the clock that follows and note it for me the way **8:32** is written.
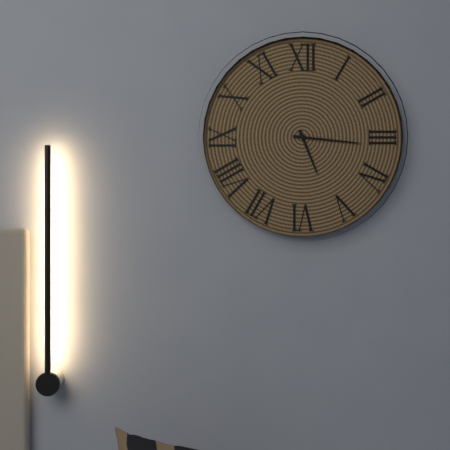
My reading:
**5:16**
